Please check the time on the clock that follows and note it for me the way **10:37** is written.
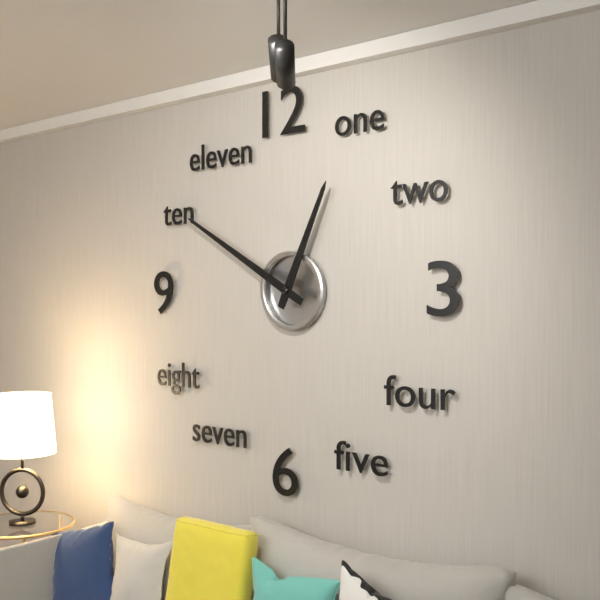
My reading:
**12:50**
